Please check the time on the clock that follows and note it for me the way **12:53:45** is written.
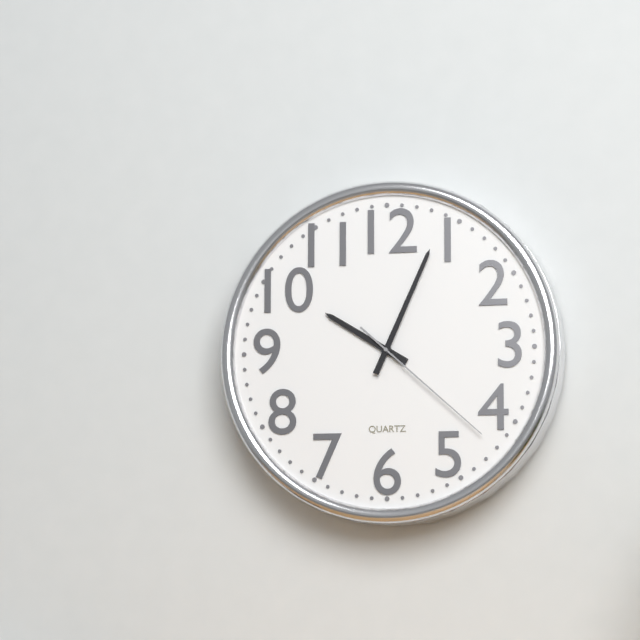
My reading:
**10:04:22**
